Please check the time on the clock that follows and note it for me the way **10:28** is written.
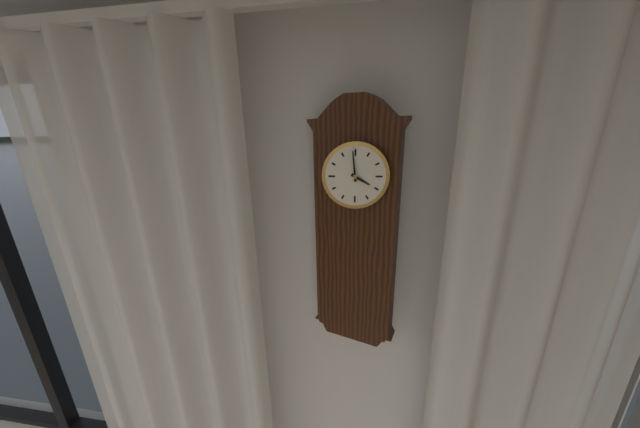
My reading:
**3:59**
